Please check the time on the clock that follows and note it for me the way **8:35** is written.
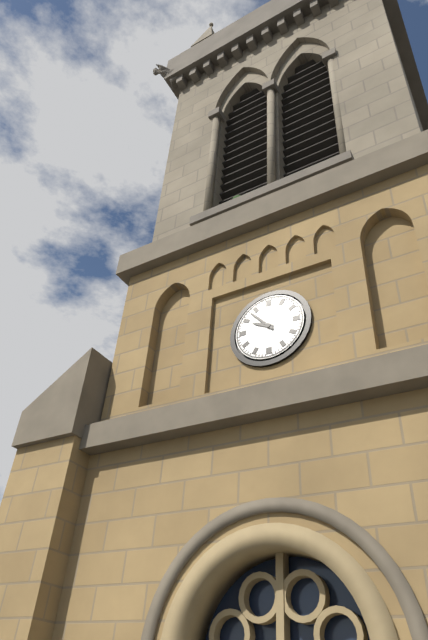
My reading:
**9:53**
